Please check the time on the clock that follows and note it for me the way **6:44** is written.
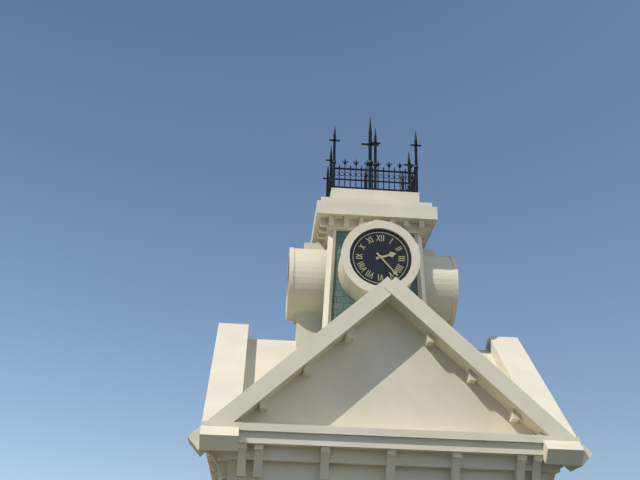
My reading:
**2:23**
